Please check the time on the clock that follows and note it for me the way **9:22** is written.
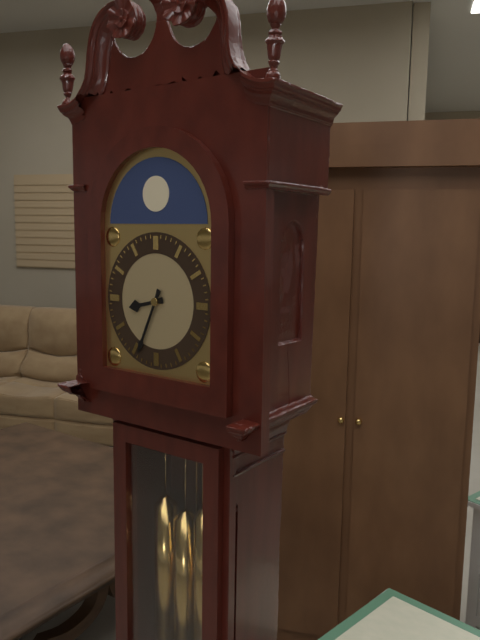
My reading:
**8:34**
